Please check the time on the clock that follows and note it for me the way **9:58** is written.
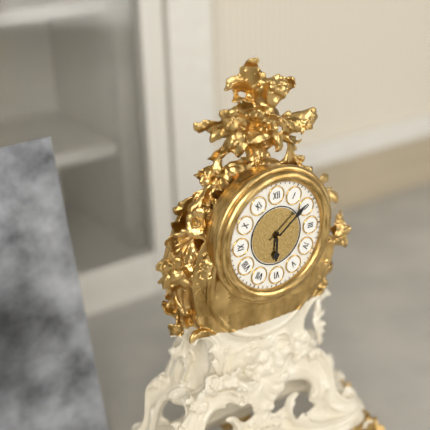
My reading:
**6:09**
